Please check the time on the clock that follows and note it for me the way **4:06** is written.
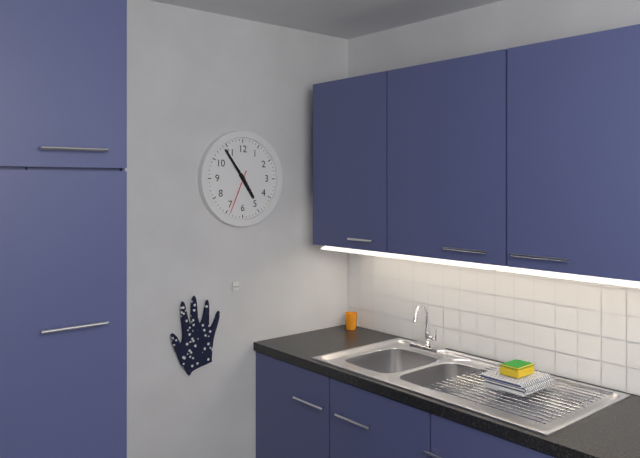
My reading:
**4:54**
